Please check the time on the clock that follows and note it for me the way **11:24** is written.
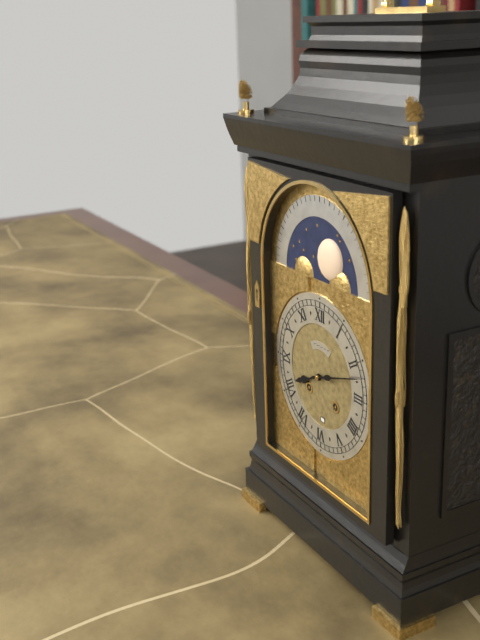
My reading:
**8:12**
